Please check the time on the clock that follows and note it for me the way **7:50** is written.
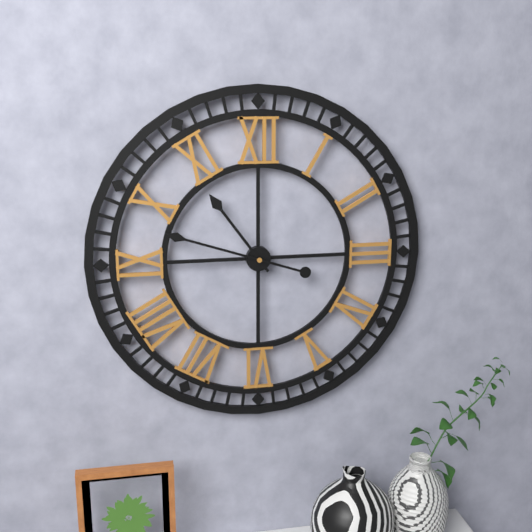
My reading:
**10:48**
